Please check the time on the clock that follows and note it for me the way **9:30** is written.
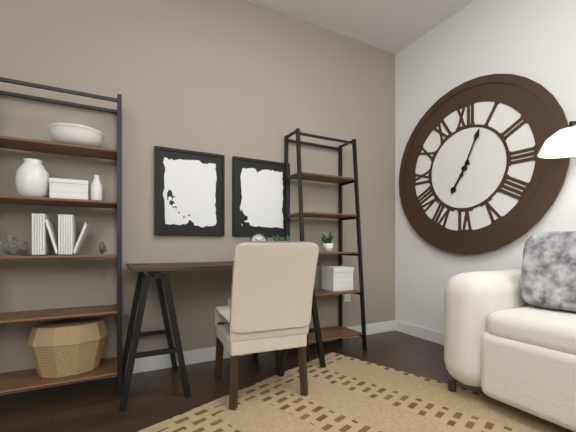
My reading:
**7:04**
